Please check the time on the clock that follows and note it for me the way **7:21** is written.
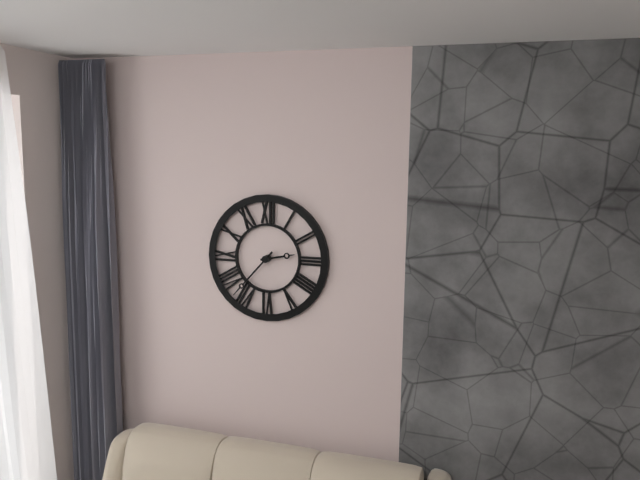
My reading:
**2:37**
